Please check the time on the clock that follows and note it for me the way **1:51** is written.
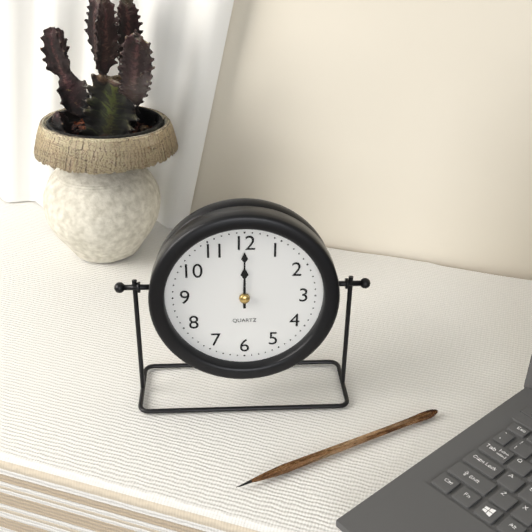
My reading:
**12:00**
